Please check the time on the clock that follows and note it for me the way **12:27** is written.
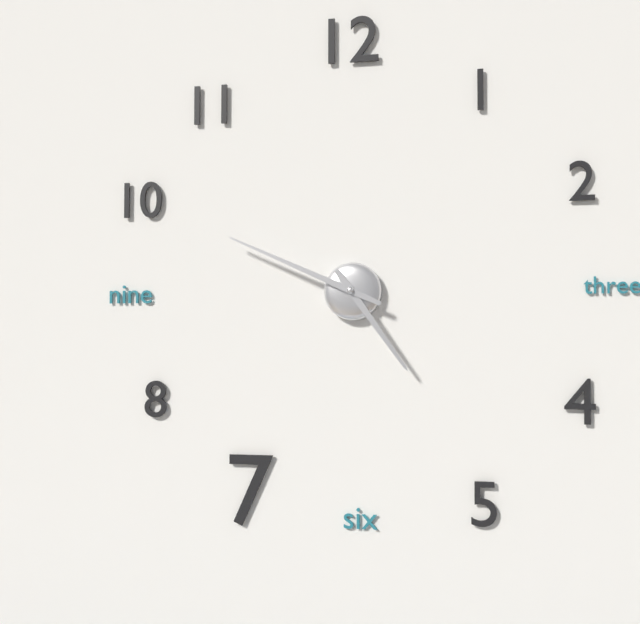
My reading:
**4:49**
